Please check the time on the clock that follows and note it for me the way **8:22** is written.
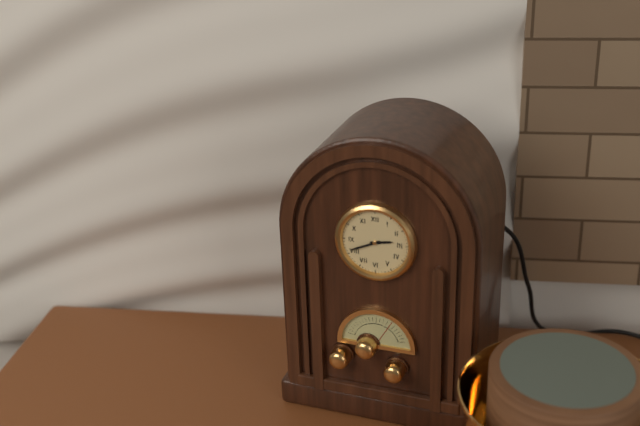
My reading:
**2:41**
